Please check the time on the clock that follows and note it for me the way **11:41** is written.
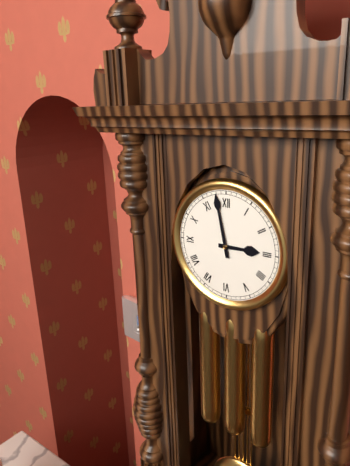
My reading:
**2:58**
